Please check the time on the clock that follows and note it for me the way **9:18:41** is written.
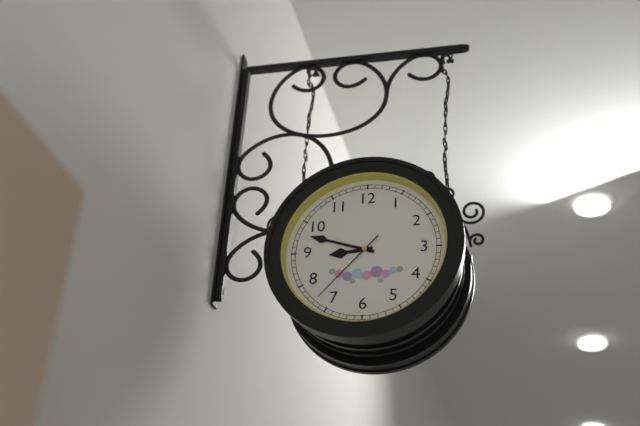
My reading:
**8:48:37**
